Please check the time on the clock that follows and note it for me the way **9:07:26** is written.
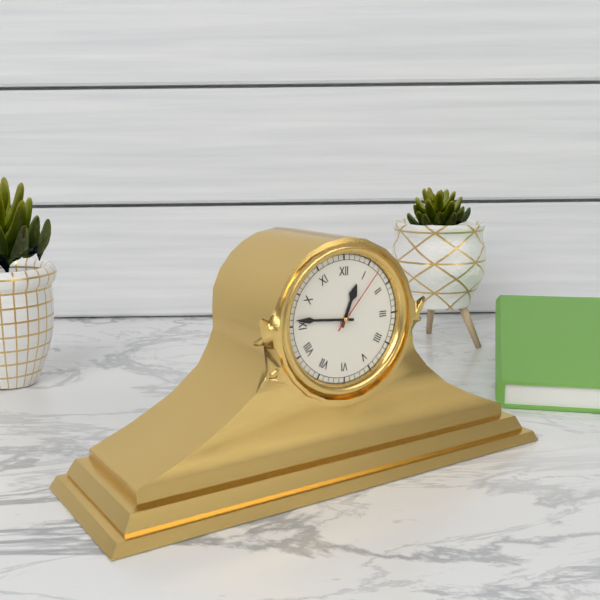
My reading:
**12:46:07**
